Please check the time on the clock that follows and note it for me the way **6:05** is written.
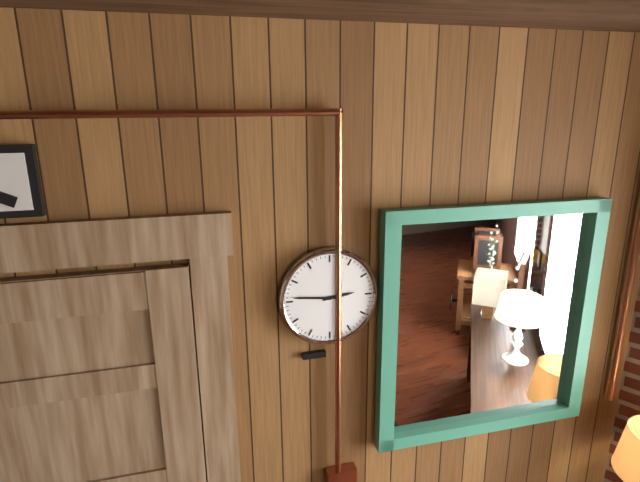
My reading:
**2:46**
